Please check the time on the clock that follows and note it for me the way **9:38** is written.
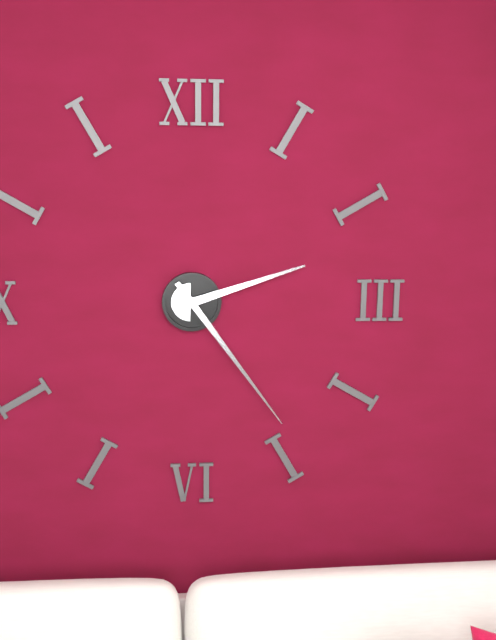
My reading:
**2:24**
